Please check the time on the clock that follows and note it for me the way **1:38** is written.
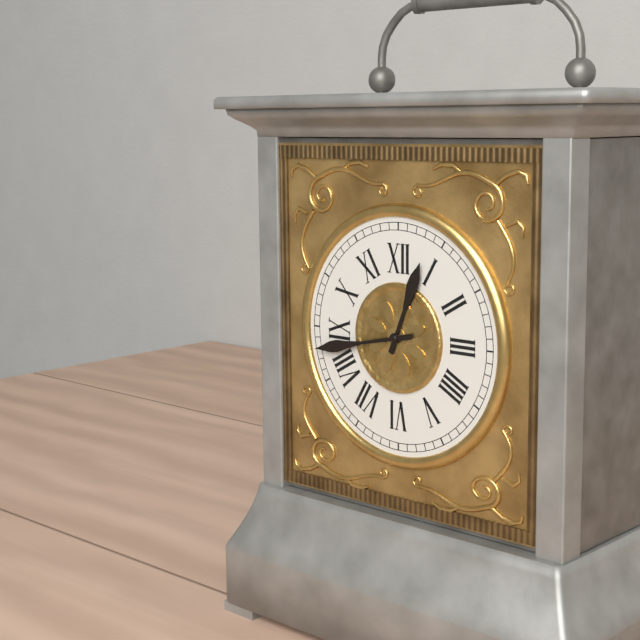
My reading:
**12:43**
